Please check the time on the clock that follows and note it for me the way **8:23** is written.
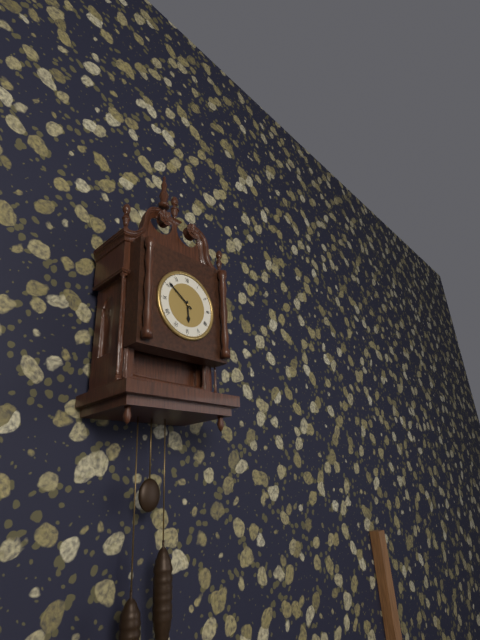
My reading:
**5:51**
